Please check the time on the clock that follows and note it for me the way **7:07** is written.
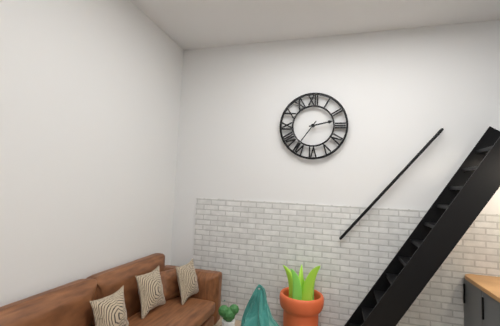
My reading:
**2:36**
